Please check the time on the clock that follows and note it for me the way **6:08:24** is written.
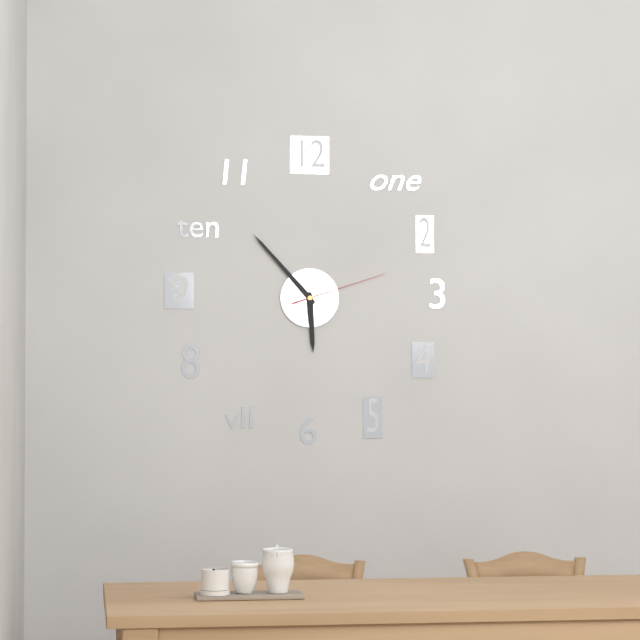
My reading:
**5:53:12**
